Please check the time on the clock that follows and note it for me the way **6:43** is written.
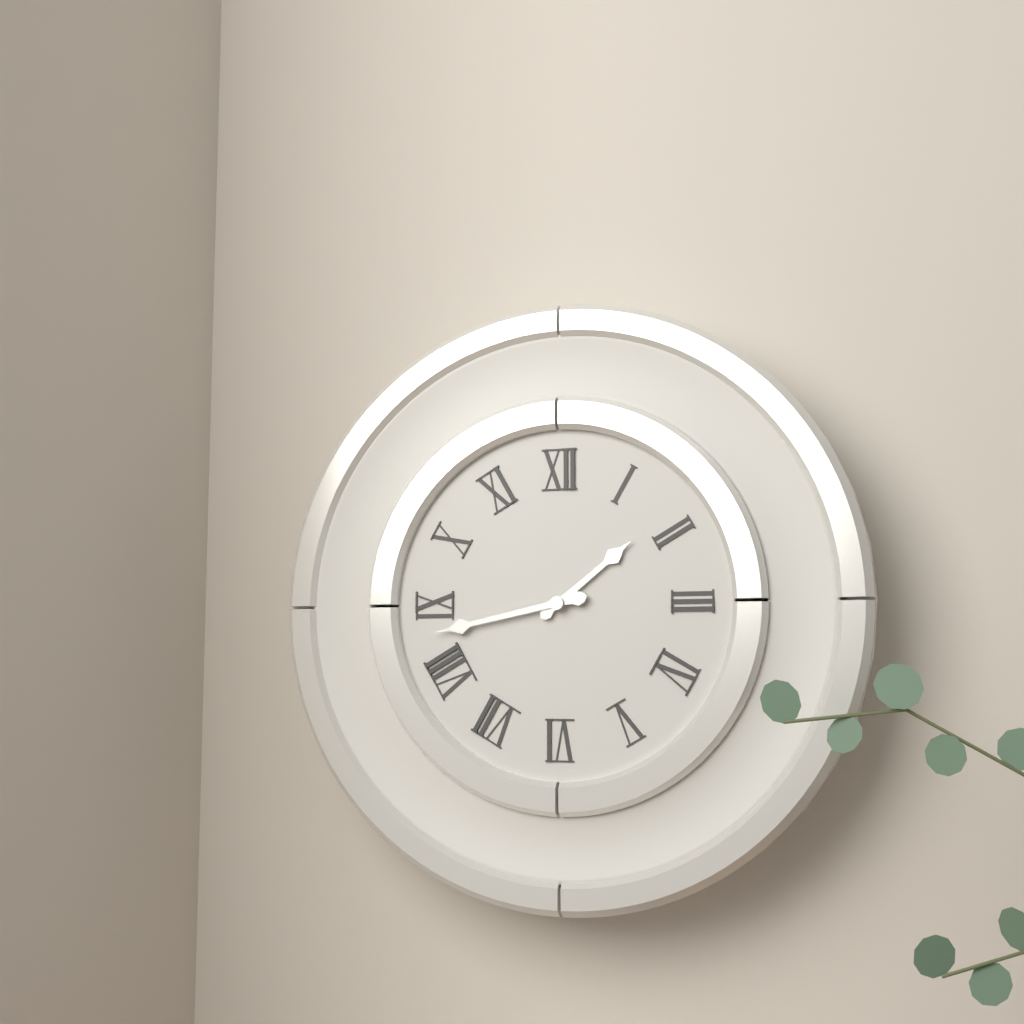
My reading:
**1:43**
